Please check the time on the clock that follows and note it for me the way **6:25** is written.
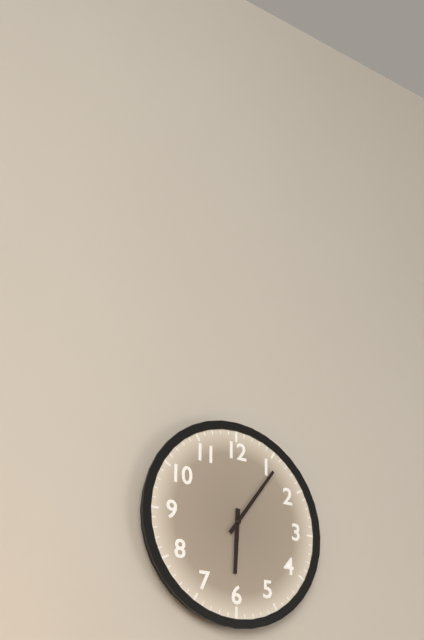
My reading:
**6:06**
